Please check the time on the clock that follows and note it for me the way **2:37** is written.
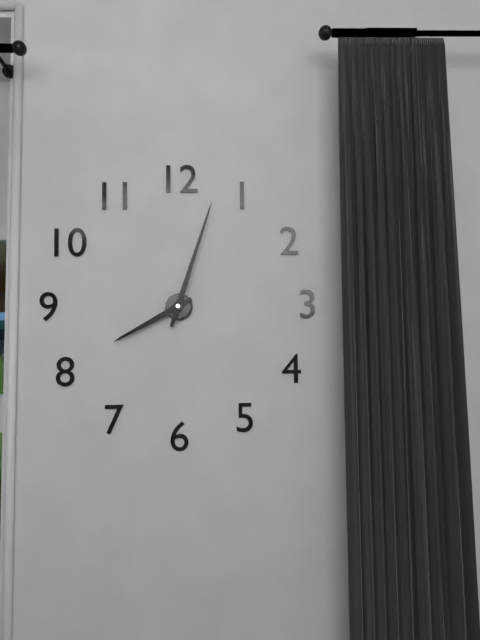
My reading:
**8:03**
